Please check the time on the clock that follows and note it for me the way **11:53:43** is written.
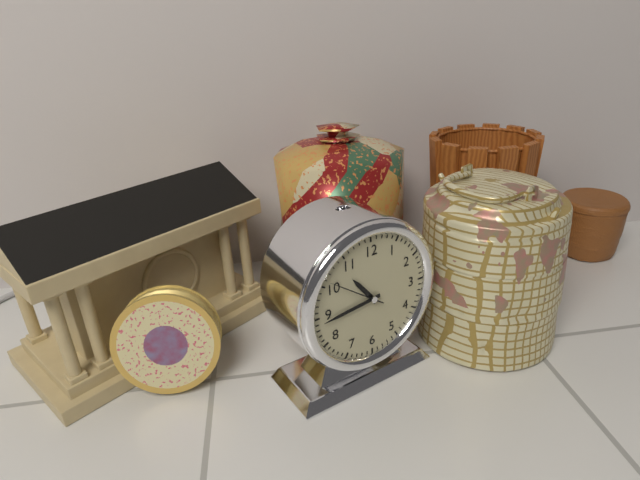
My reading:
**10:44:51**
